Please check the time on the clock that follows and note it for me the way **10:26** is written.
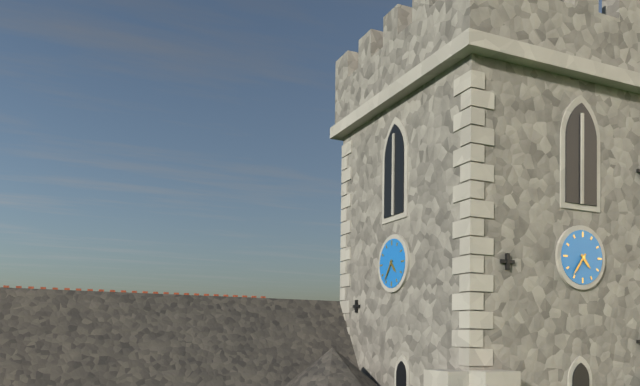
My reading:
**4:36**
